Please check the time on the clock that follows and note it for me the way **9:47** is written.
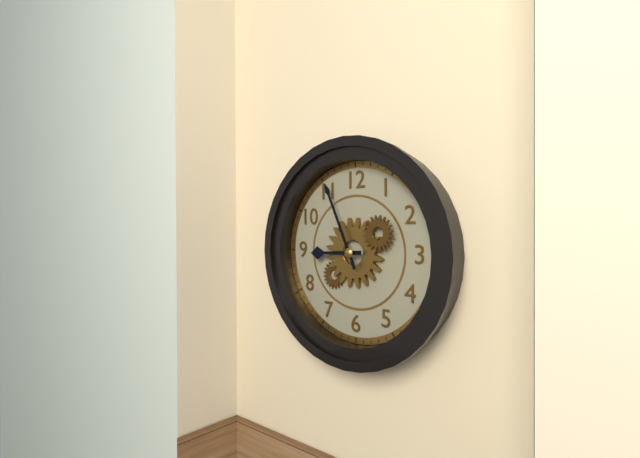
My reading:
**8:56**
